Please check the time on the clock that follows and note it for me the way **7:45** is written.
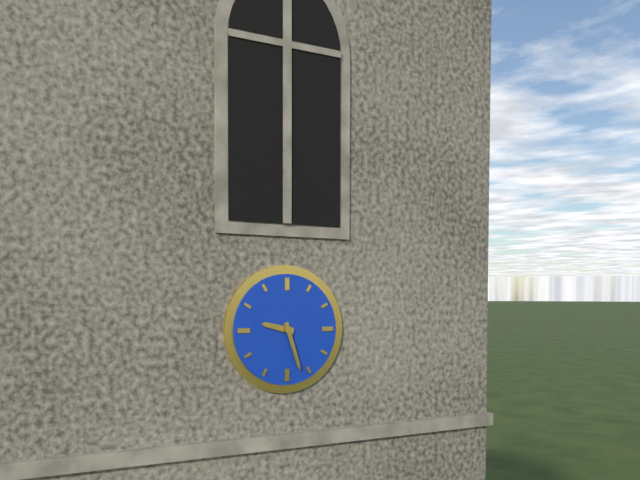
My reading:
**9:27**
